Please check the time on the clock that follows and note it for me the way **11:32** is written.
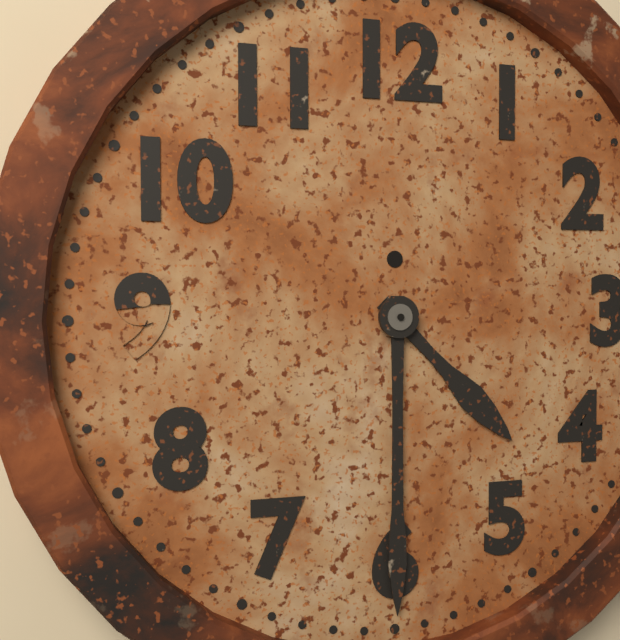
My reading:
**4:30**
